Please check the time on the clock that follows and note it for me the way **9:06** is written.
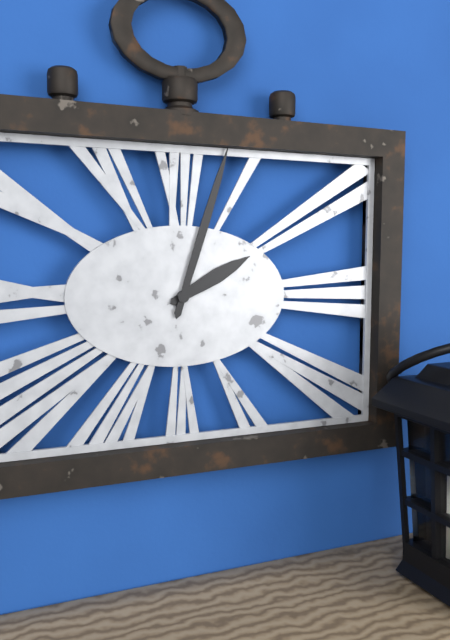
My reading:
**2:03**
